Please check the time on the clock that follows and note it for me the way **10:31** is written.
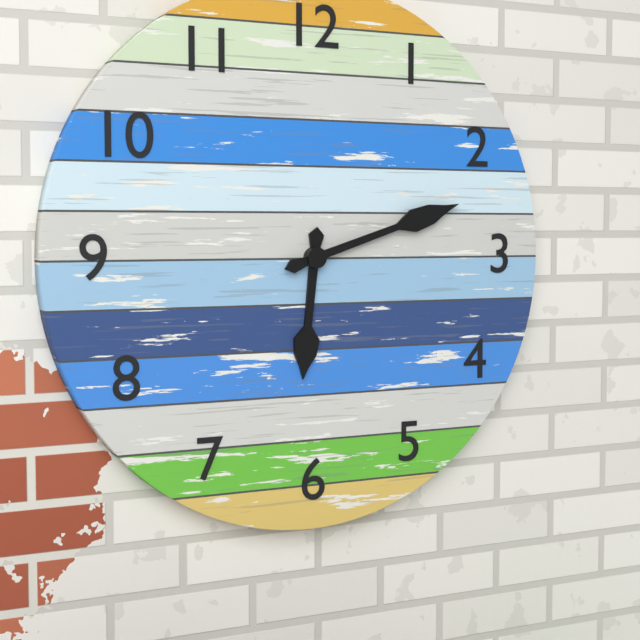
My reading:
**6:12**
